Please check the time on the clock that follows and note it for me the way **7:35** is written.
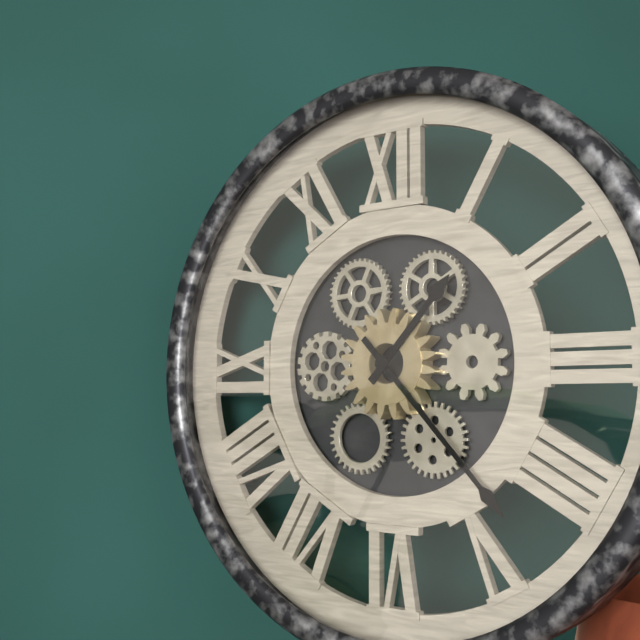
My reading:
**1:23**
